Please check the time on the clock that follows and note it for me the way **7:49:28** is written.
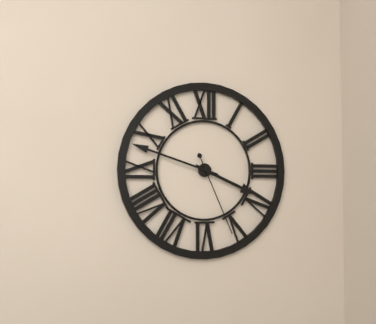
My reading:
**3:48:26**
